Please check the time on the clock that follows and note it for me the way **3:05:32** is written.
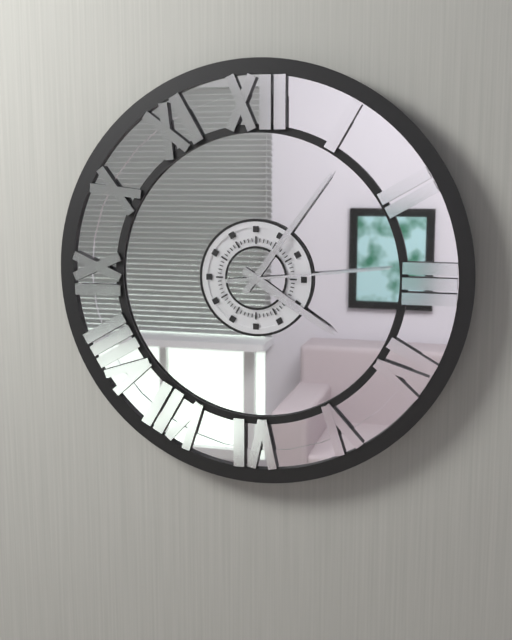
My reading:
**4:06:14**
